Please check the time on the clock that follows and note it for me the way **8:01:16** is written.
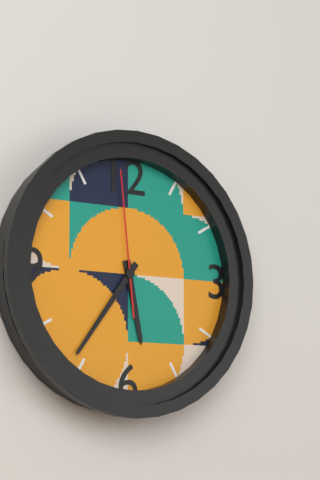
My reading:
**5:36:59**
